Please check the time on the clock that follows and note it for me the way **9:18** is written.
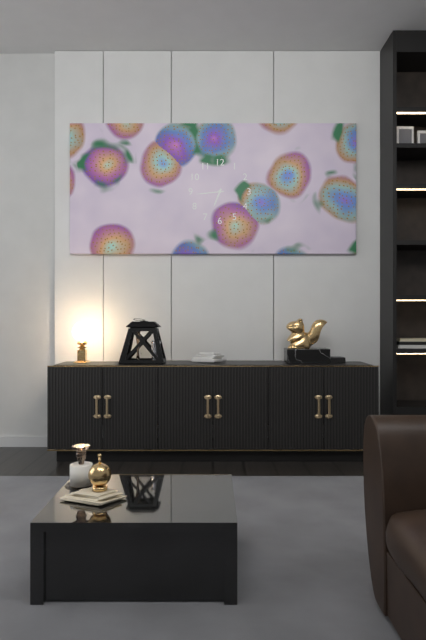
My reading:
**6:44**
